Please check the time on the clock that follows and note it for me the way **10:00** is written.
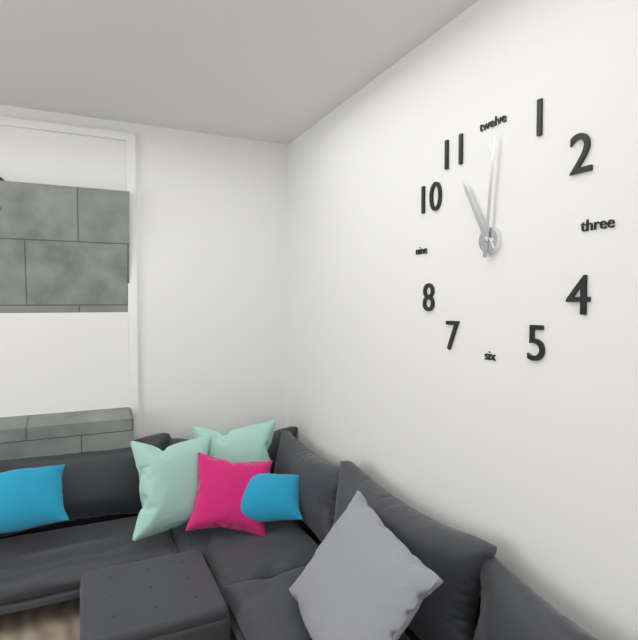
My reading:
**11:01**
